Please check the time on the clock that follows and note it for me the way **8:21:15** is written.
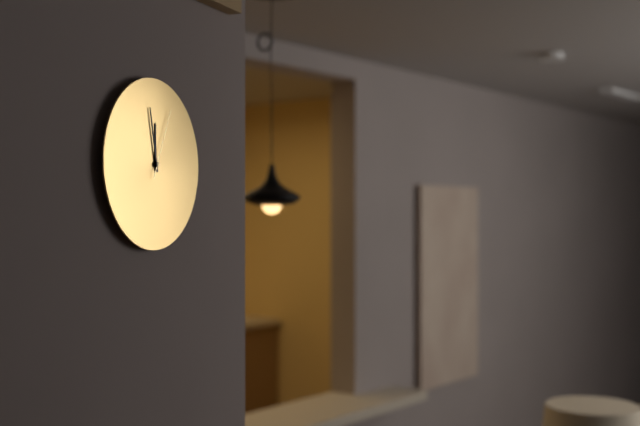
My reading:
**11:58:04**
